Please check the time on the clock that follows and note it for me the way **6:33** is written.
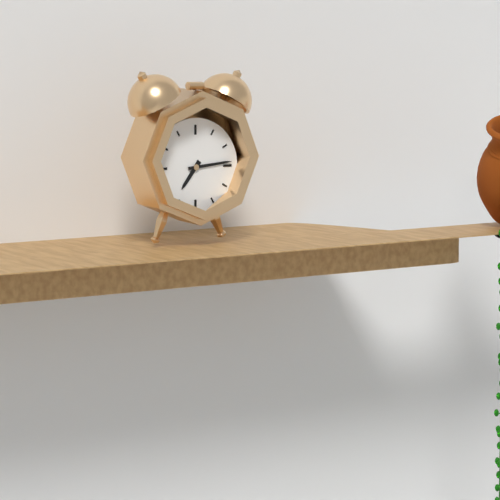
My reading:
**7:14**
